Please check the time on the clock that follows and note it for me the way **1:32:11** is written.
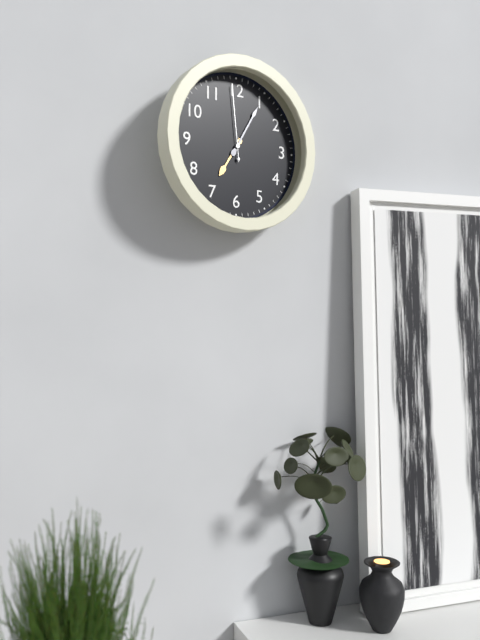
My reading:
**7:05:59**
